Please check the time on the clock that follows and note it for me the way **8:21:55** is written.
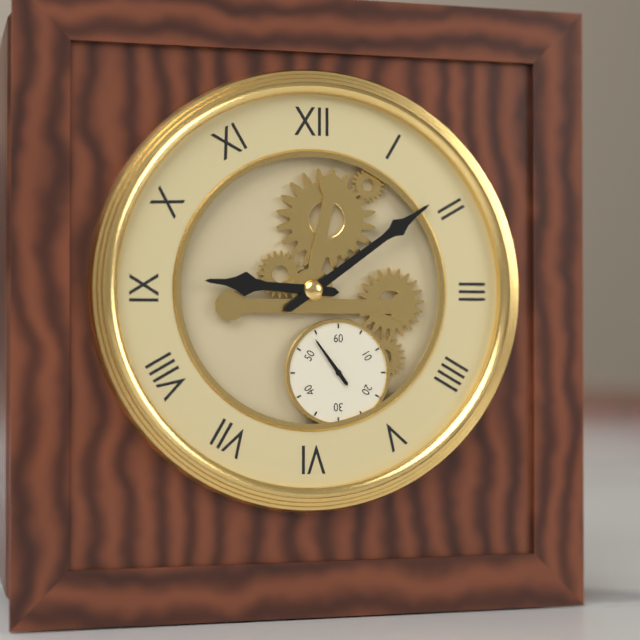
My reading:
**9:09:54**
